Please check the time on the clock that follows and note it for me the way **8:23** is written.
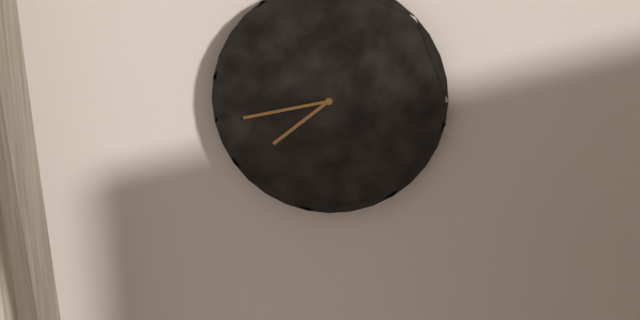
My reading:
**7:43**
